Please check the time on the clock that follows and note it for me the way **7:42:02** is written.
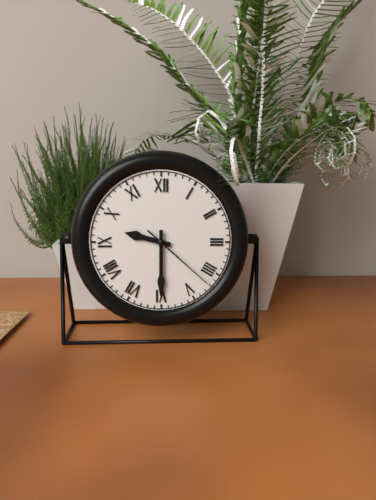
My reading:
**9:30:22**
